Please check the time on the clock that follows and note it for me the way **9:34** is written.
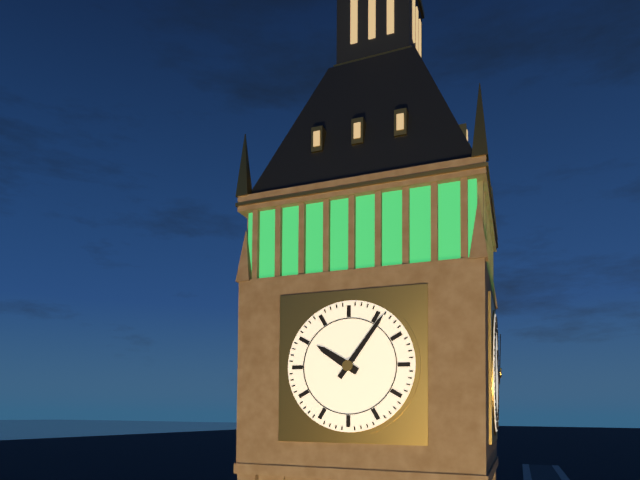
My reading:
**10:06**
